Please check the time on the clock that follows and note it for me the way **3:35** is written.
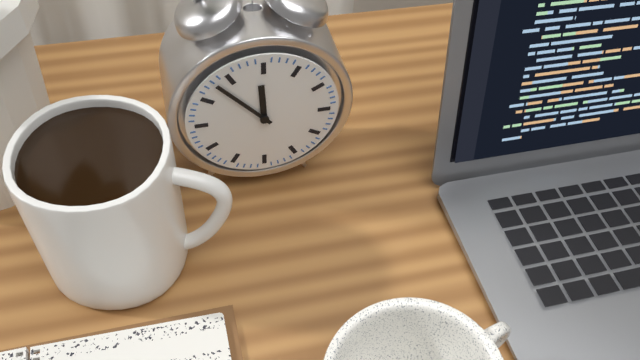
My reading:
**11:53**
